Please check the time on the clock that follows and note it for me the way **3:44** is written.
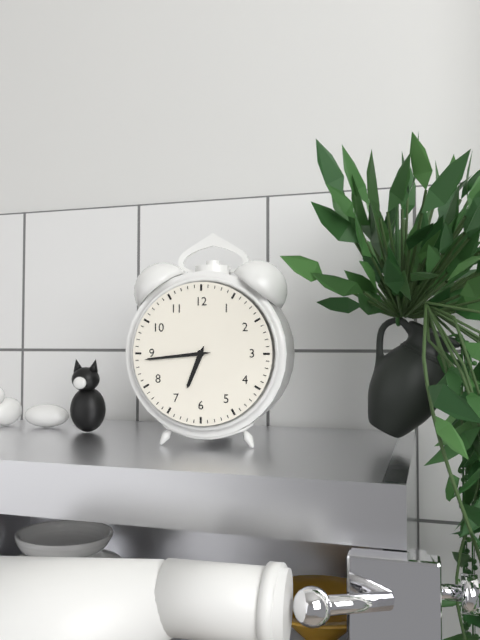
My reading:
**6:44**
